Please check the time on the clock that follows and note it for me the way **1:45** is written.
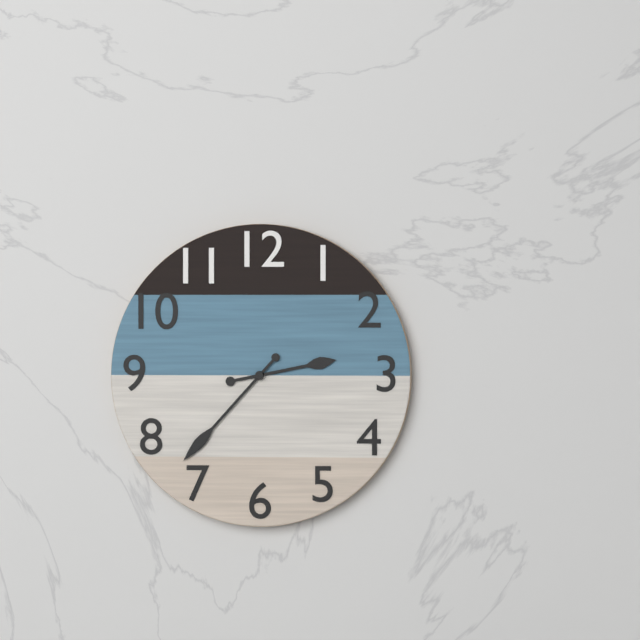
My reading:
**2:37**
